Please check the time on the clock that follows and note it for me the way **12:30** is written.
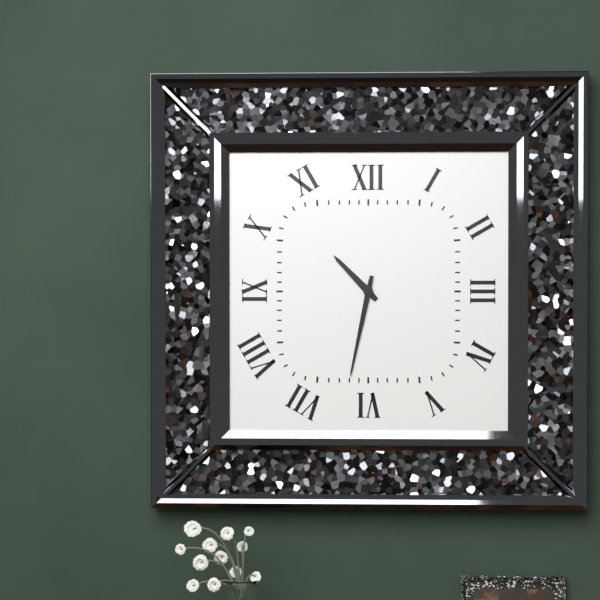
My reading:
**10:32**
